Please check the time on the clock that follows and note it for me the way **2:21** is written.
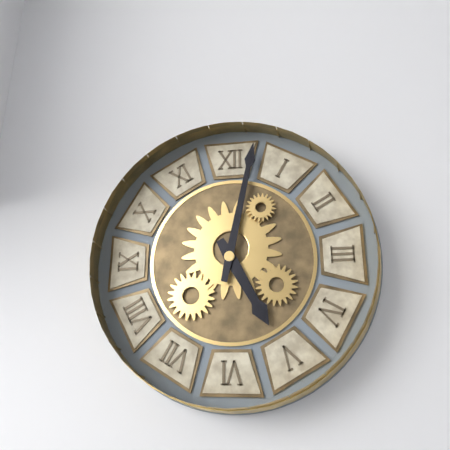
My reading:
**5:02**
